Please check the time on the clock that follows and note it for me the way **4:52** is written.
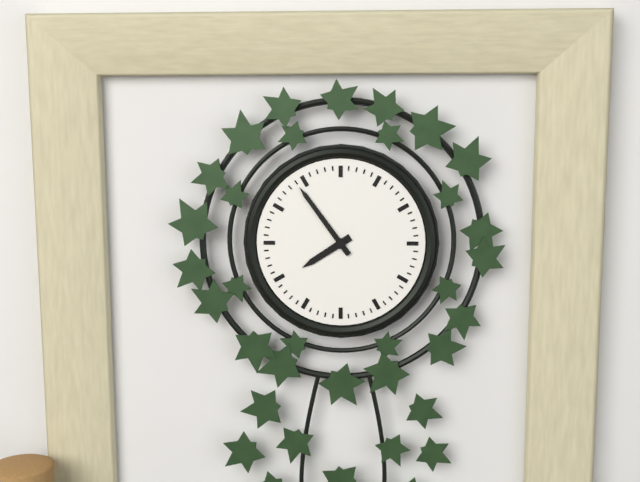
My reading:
**7:54**
